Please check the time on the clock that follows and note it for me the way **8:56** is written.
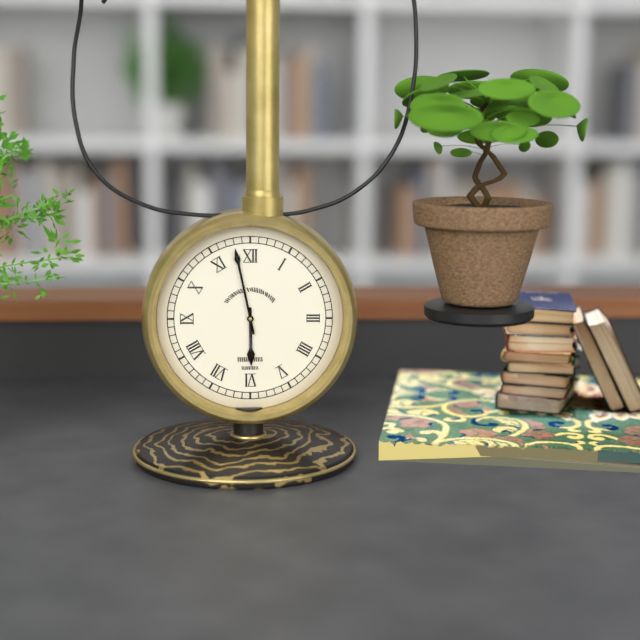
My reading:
**5:58**
